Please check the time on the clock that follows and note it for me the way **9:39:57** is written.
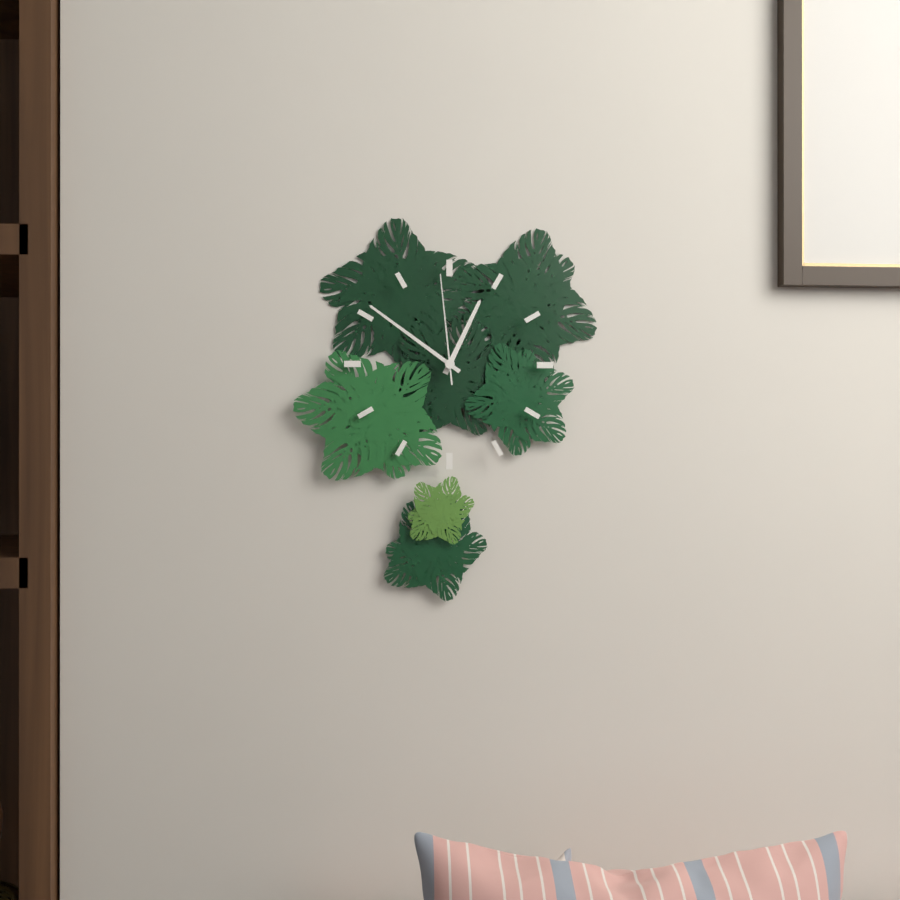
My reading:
**12:51:59**
